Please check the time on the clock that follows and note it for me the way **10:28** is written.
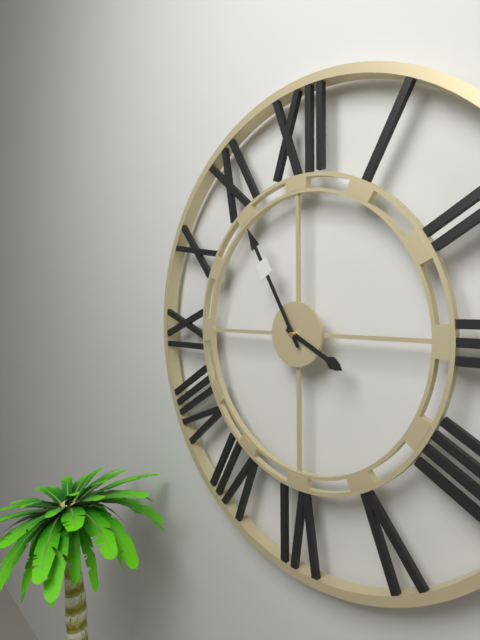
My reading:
**3:55**
